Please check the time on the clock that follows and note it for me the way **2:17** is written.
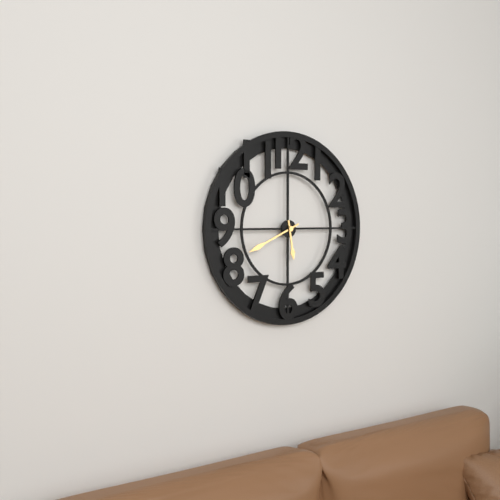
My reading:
**5:41**
